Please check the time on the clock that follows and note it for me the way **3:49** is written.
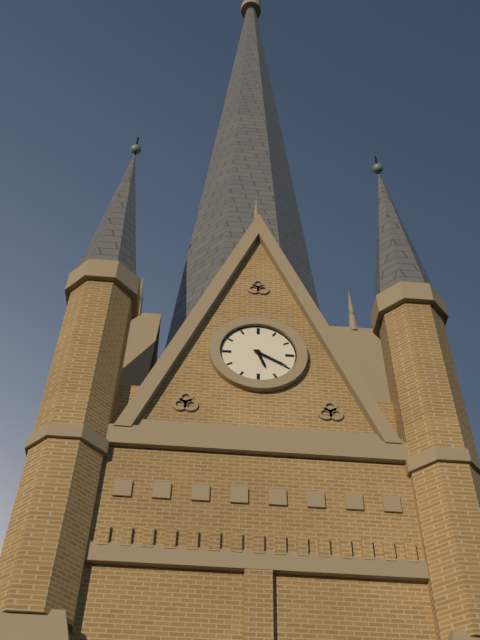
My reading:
**5:20**
